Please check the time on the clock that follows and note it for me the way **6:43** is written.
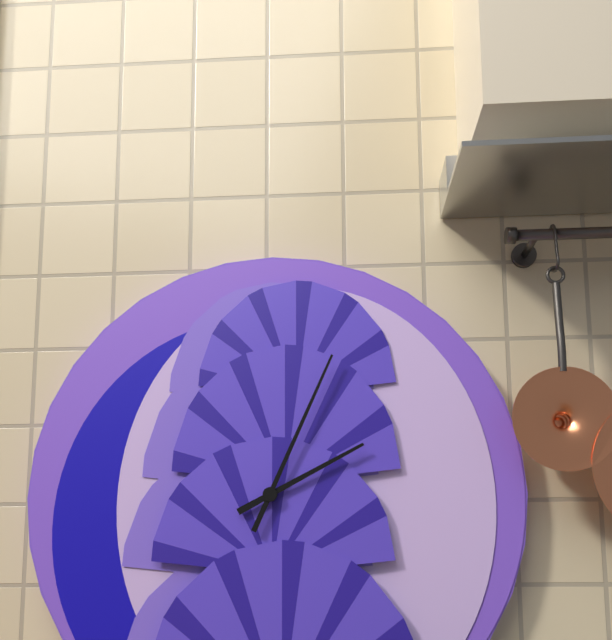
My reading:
**2:04**
